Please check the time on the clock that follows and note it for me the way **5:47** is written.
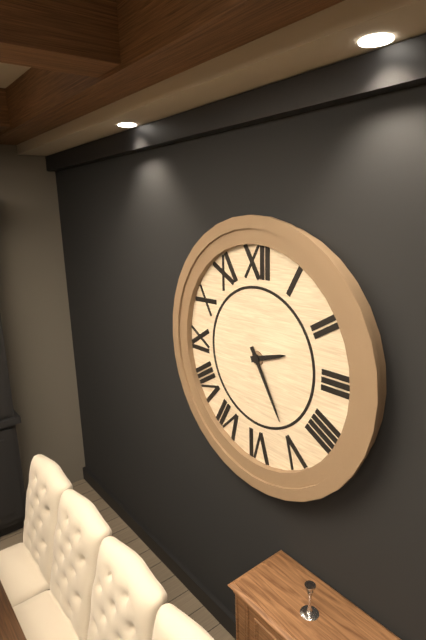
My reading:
**2:25**
